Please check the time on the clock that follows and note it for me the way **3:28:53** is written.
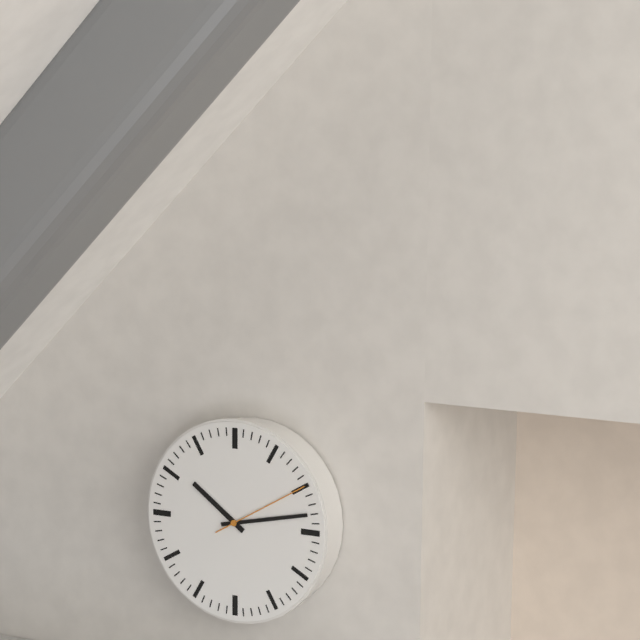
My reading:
**10:13:10**
